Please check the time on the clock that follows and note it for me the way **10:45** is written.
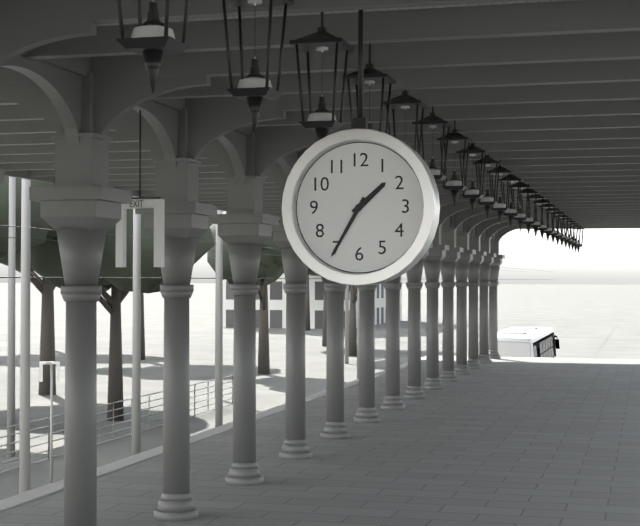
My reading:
**1:35**
